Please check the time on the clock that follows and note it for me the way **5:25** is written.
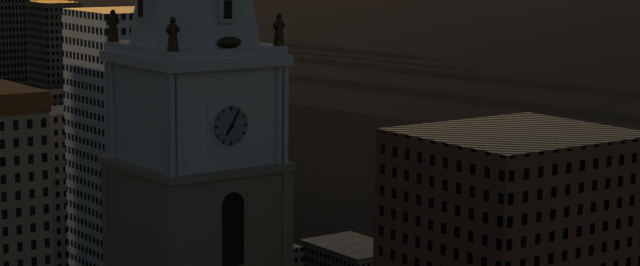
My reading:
**7:05**
